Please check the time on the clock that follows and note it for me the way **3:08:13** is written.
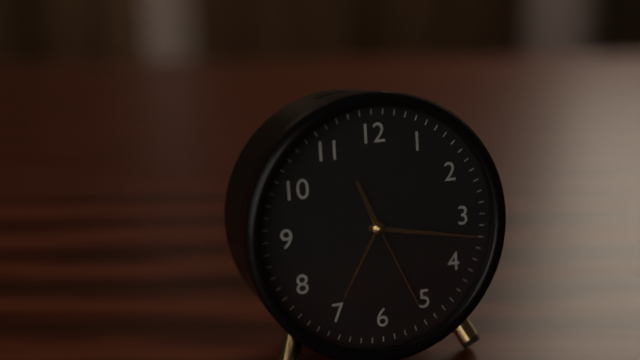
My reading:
**11:17:26**
